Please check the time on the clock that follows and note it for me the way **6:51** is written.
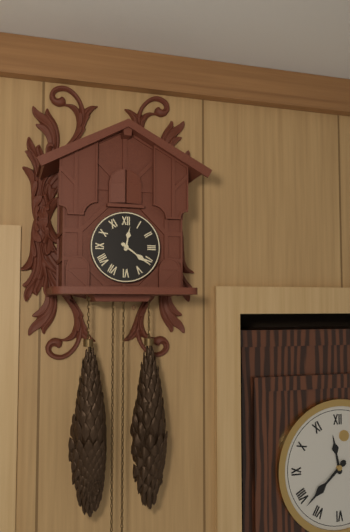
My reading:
**12:21**
